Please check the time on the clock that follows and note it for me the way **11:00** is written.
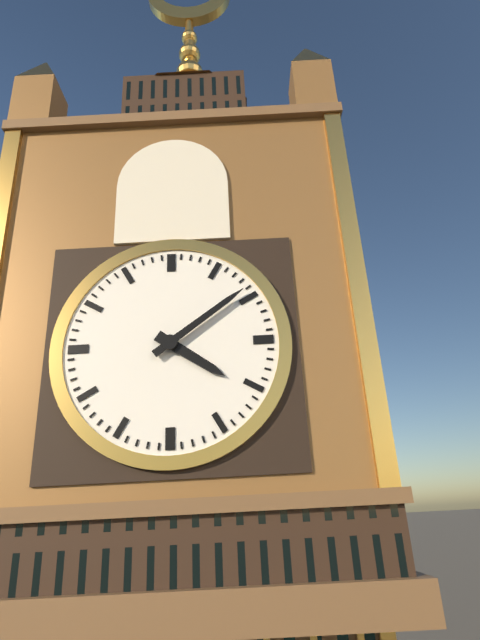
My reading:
**4:09**
